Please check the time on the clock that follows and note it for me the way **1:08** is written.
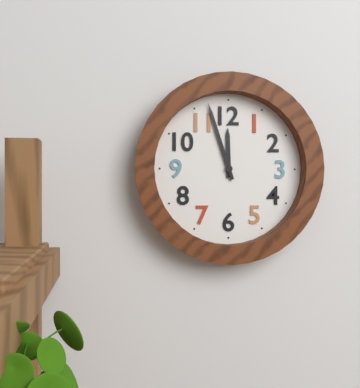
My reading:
**11:57**
